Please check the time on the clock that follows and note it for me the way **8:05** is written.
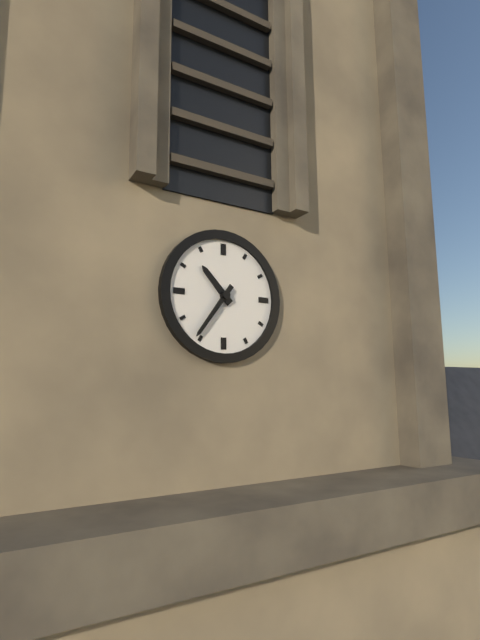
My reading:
**10:36**
